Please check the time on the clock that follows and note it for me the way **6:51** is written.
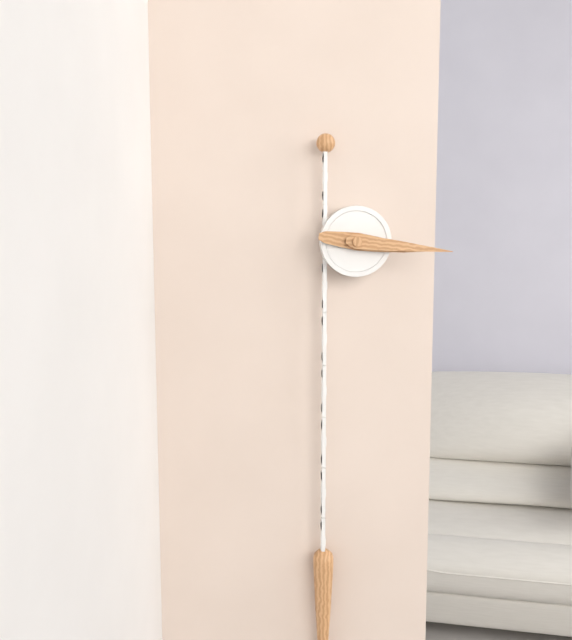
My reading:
**3:16**
